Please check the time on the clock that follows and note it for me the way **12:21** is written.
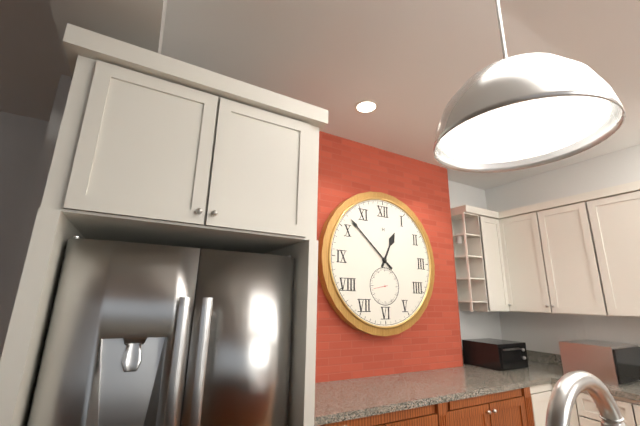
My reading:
**12:52**
